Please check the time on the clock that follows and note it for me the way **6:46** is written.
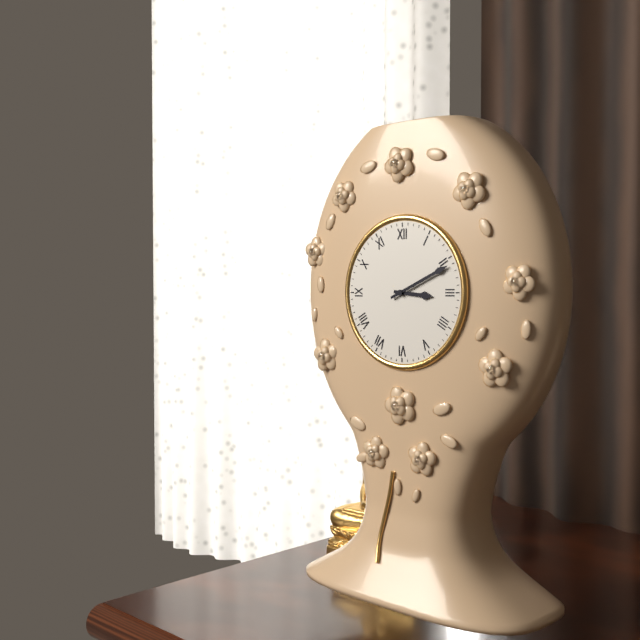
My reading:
**3:11**
